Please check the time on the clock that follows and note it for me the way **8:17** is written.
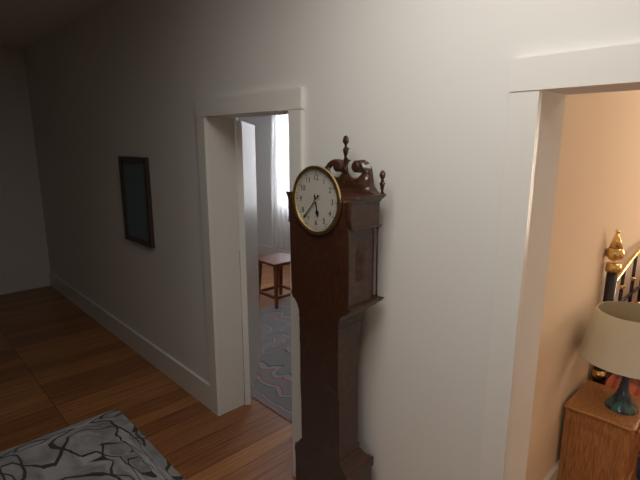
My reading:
**5:37**
